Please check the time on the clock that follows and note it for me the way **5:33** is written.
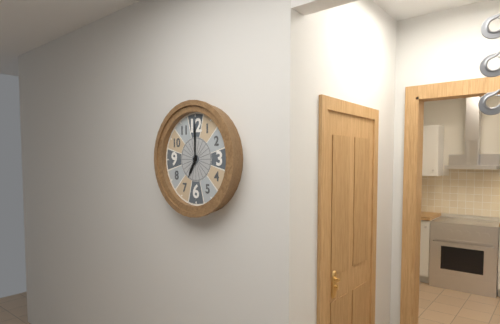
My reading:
**7:00**
